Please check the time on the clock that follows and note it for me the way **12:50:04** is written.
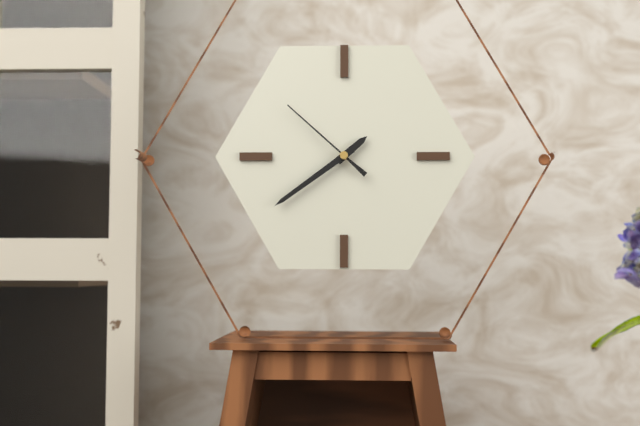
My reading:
**1:39:52**
